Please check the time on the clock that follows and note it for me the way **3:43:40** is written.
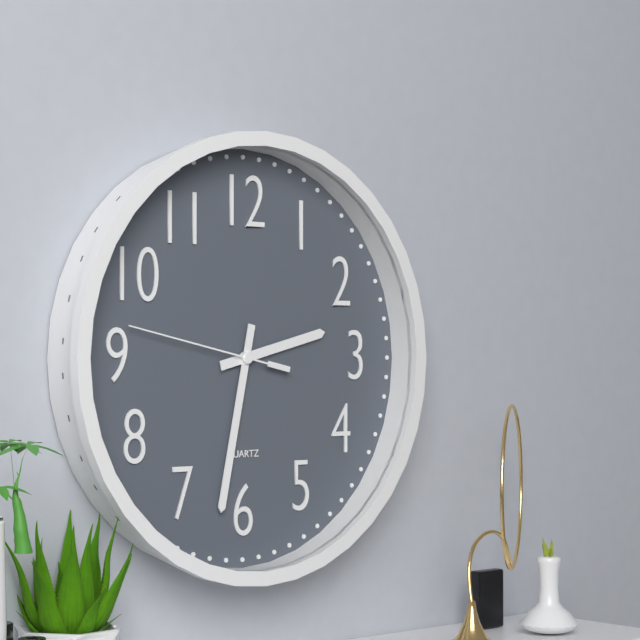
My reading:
**2:32:47**
